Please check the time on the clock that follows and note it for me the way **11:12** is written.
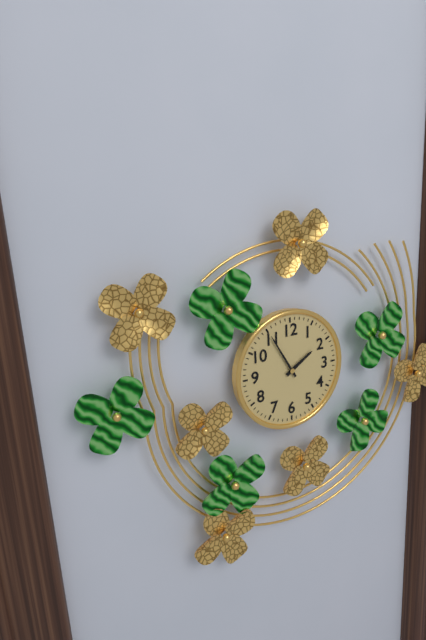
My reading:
**1:55**
